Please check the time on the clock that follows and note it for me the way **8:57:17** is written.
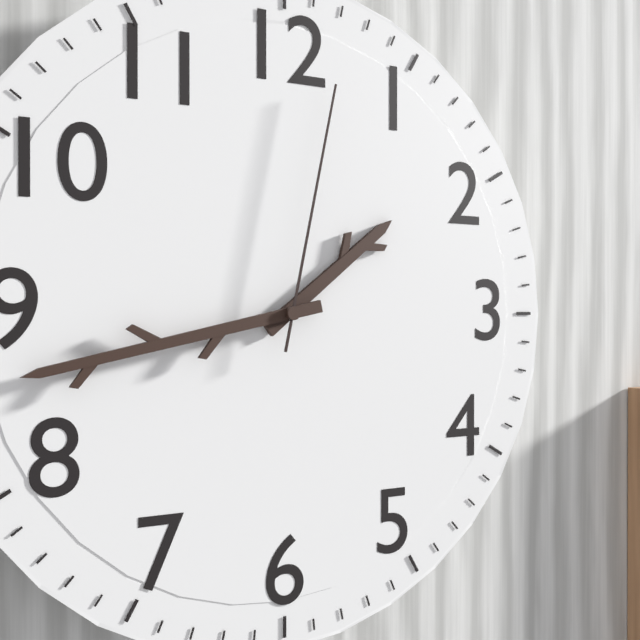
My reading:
**1:43:02**
